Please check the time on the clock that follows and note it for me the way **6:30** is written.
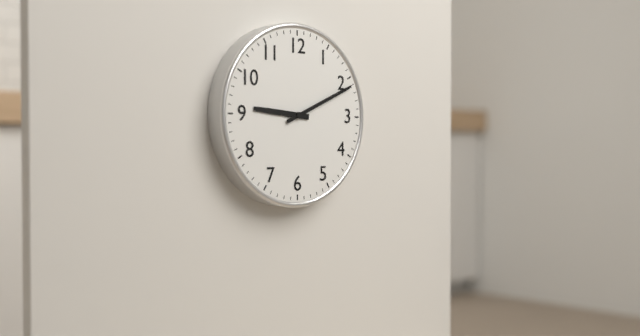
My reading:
**9:11**
